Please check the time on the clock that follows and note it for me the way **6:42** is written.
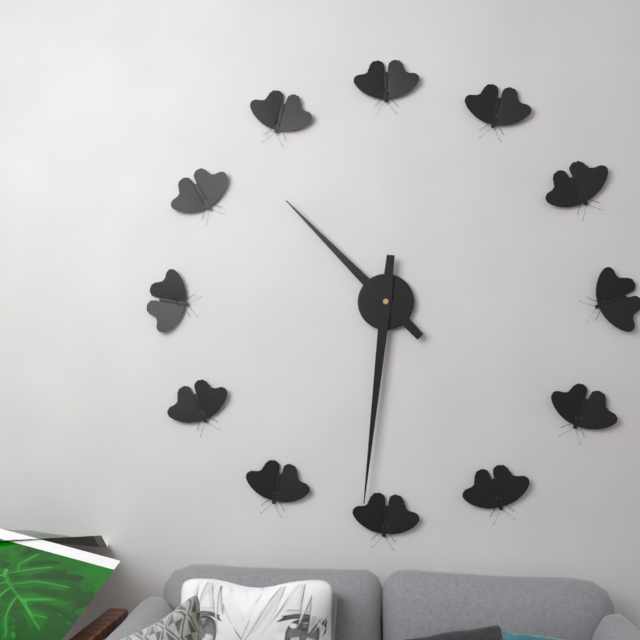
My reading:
**10:31**
